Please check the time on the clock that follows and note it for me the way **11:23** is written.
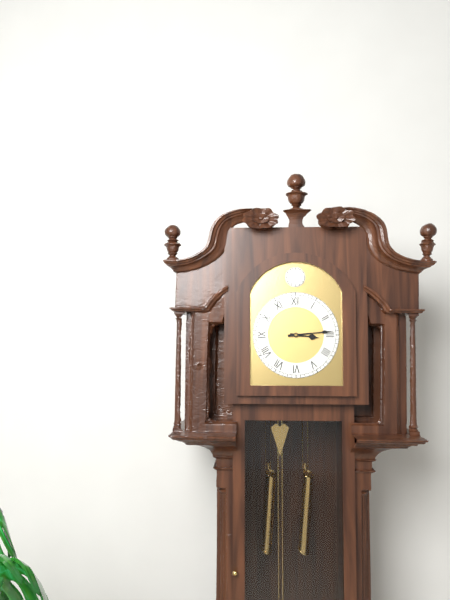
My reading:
**3:14**
